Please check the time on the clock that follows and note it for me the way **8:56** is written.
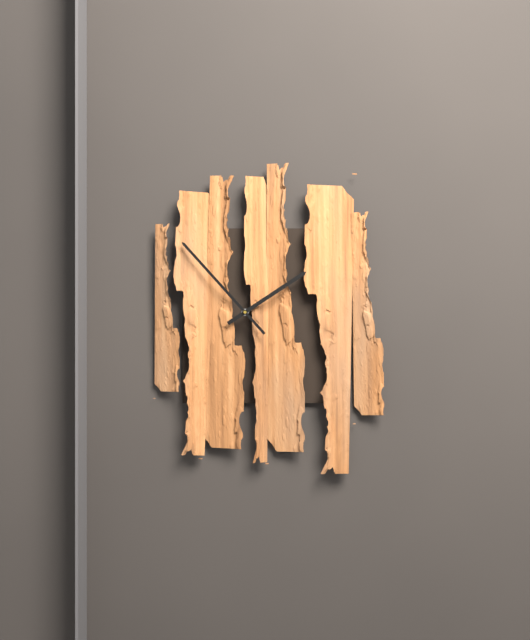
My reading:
**1:53**
